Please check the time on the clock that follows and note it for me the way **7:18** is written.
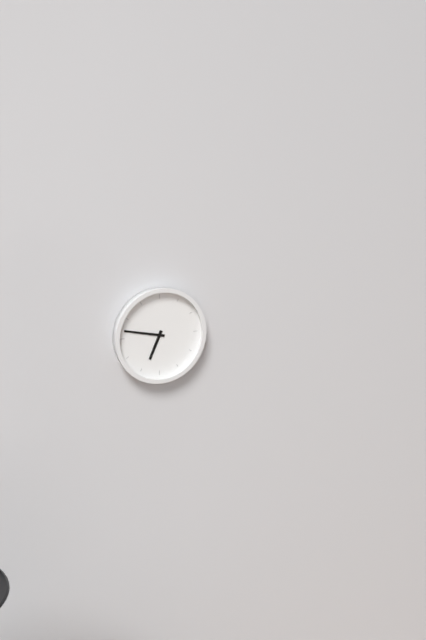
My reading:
**6:47**
